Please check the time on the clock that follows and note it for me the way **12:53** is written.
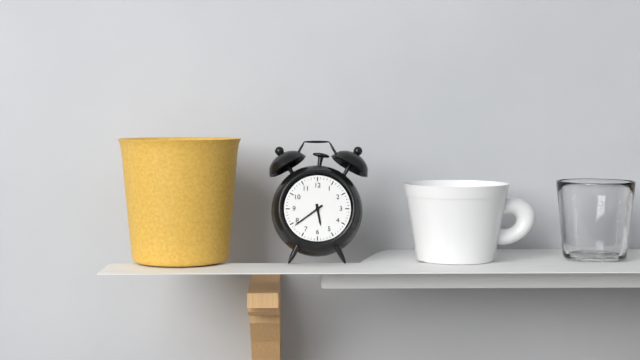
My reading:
**5:39**
